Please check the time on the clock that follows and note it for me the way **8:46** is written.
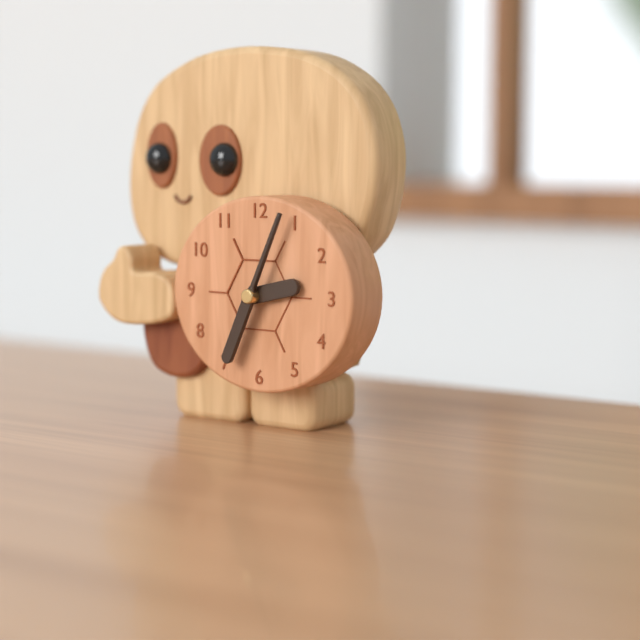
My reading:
**2:34**
